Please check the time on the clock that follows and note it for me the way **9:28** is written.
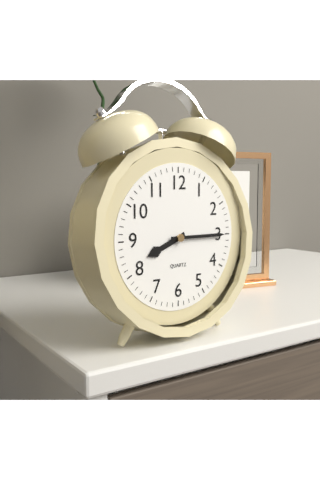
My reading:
**8:15**
